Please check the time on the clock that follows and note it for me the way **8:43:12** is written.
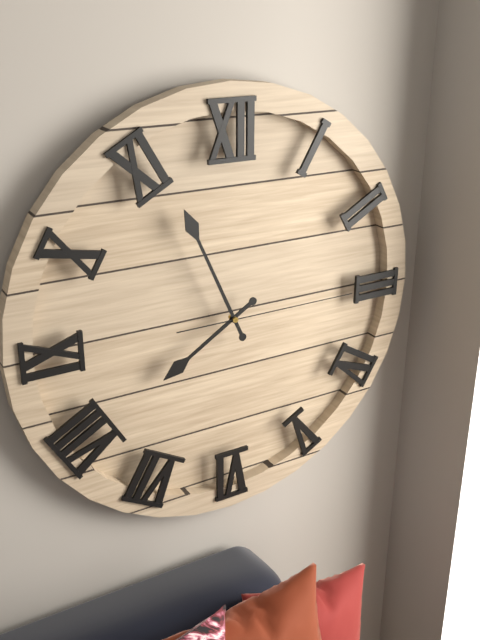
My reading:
**7:56:15**
